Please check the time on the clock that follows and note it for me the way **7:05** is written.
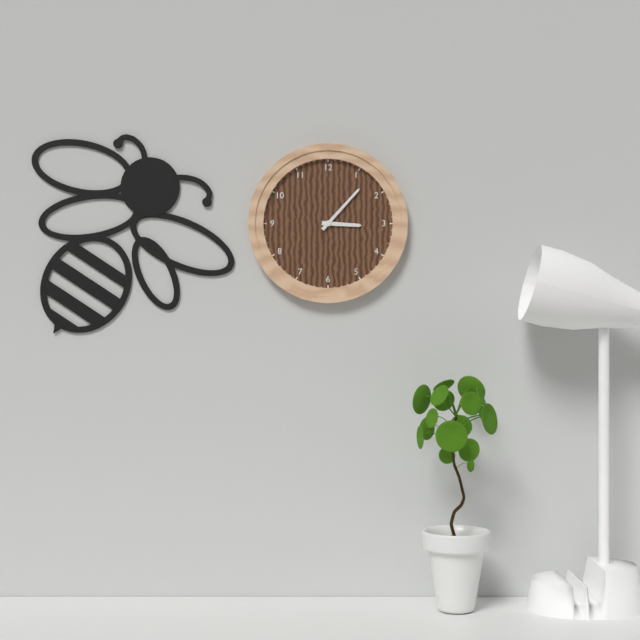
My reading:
**3:07**
